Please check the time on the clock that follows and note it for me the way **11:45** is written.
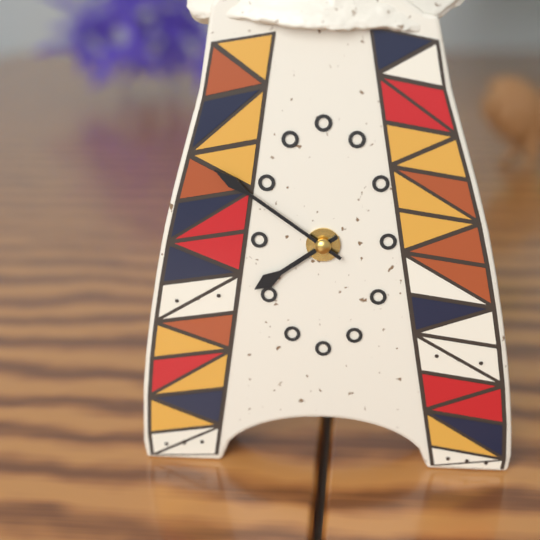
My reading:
**7:51**
